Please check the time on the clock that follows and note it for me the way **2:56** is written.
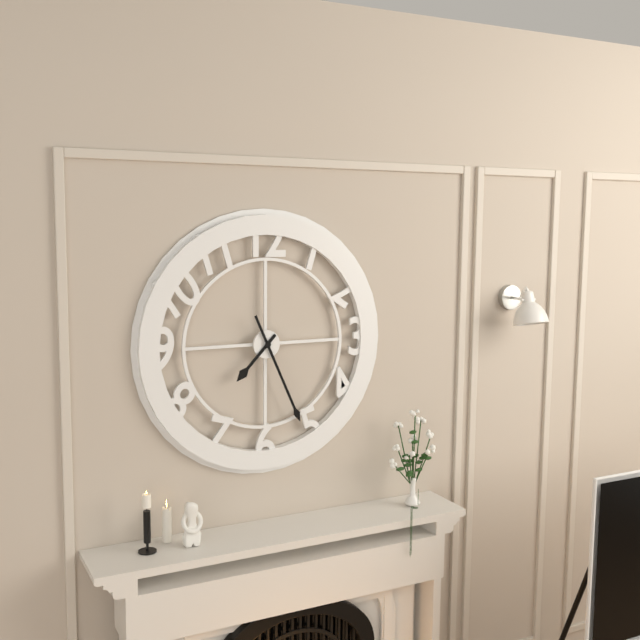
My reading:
**7:26**
